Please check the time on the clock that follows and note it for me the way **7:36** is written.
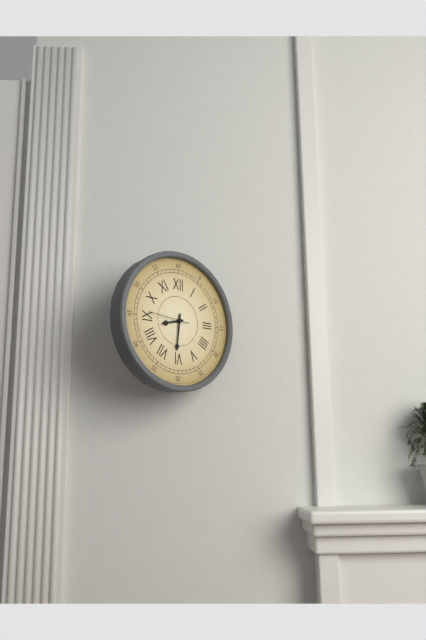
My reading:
**8:31**
